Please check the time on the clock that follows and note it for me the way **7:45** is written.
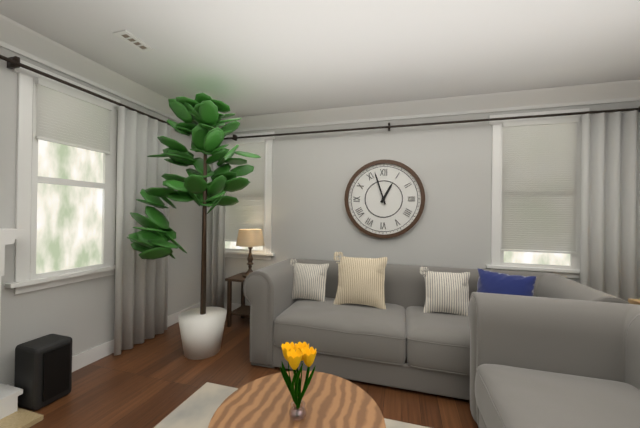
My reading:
**12:57**
